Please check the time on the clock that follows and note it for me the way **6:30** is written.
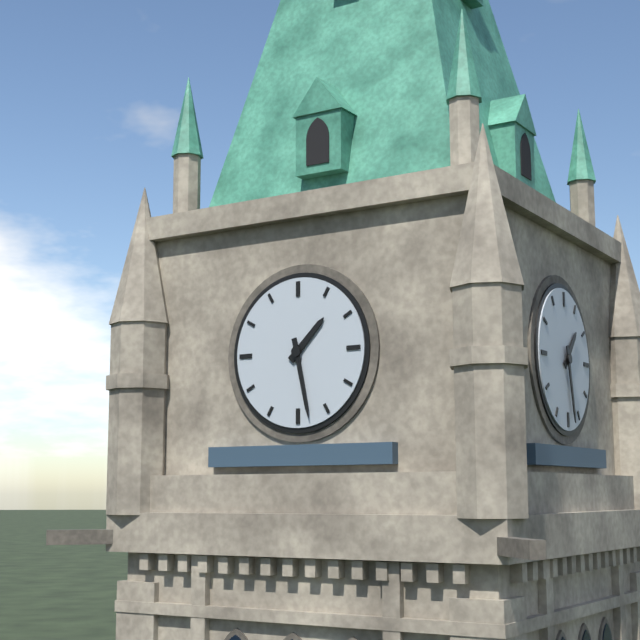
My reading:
**1:28**
